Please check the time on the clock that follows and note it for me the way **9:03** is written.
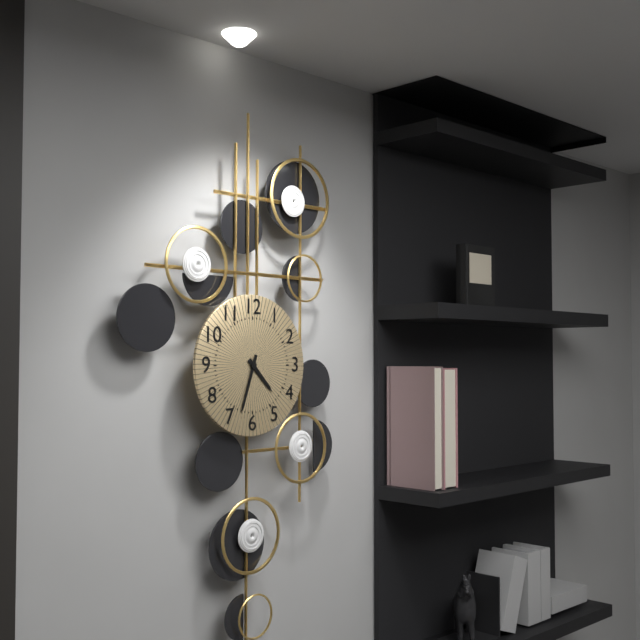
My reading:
**4:33**
